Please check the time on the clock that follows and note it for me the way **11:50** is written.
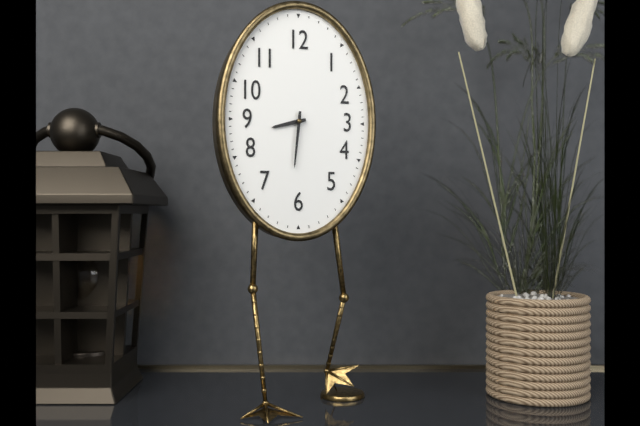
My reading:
**8:31**
